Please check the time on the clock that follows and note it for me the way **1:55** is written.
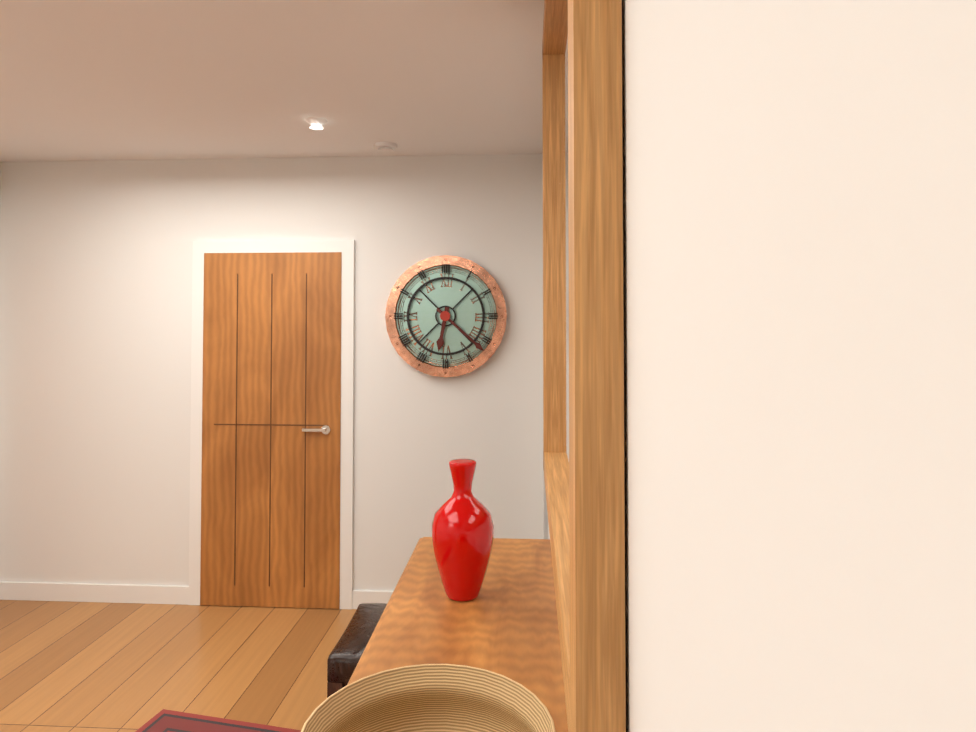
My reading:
**6:22**
